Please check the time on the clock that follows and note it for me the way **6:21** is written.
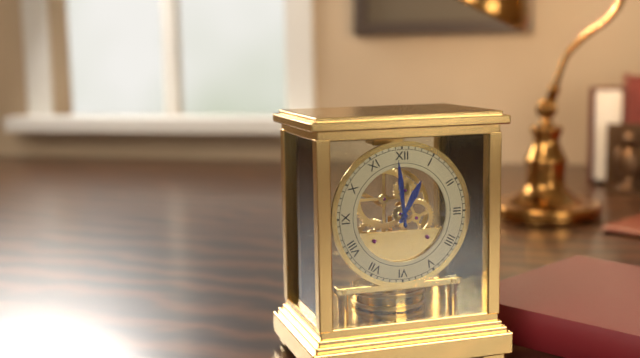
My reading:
**12:59**
